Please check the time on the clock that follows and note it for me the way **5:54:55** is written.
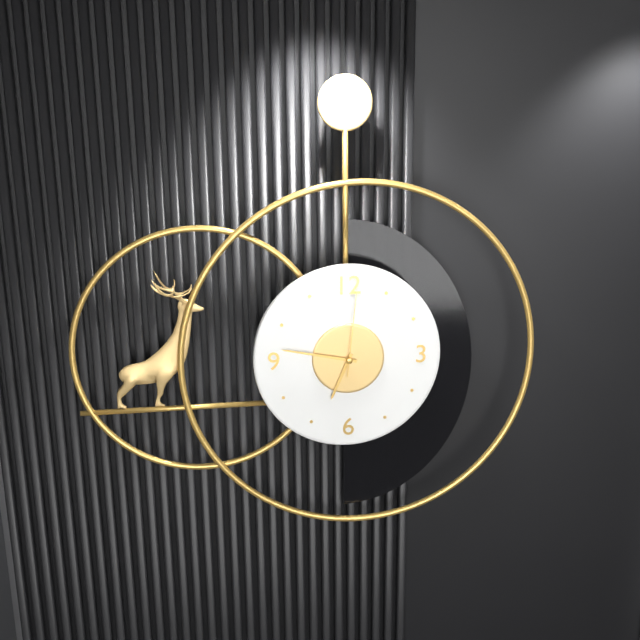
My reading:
**6:47:01**
